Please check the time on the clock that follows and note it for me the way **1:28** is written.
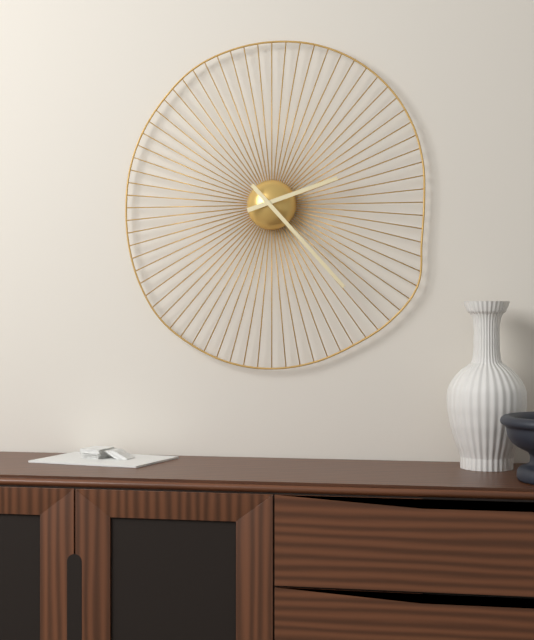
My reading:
**2:23**
